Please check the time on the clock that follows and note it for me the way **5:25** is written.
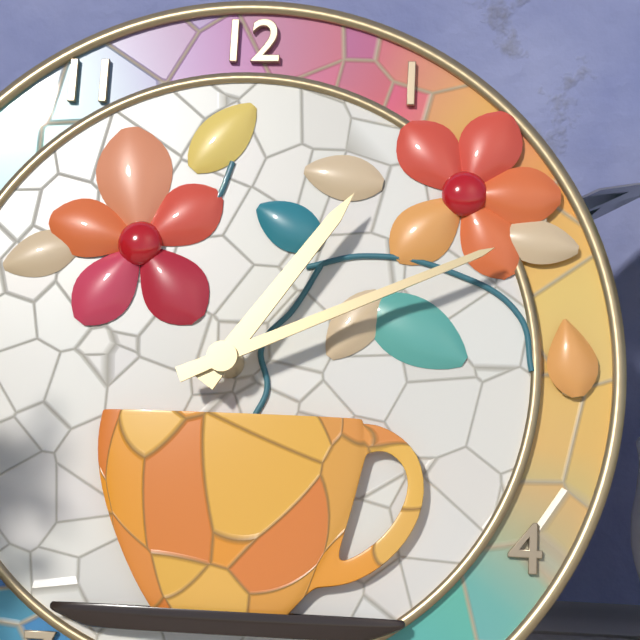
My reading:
**1:11**
